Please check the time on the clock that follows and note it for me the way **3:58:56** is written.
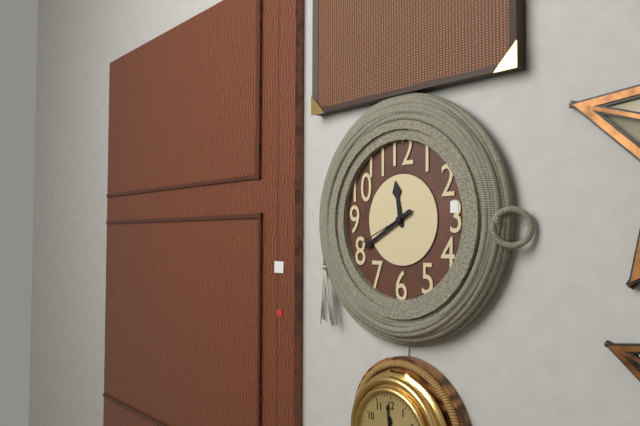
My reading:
**11:40:41**
